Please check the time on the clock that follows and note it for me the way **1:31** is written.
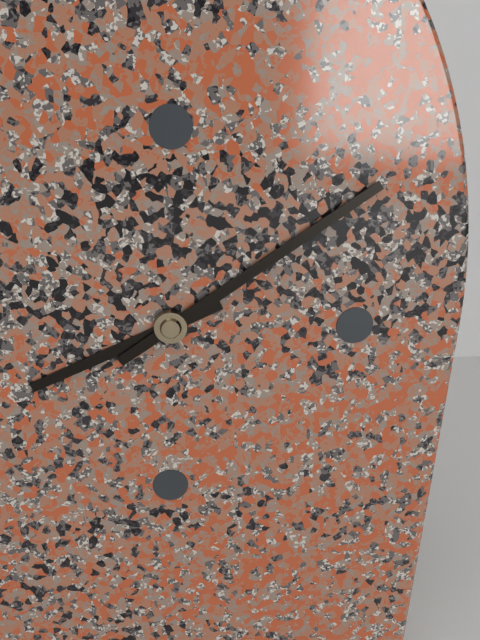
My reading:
**8:09**
